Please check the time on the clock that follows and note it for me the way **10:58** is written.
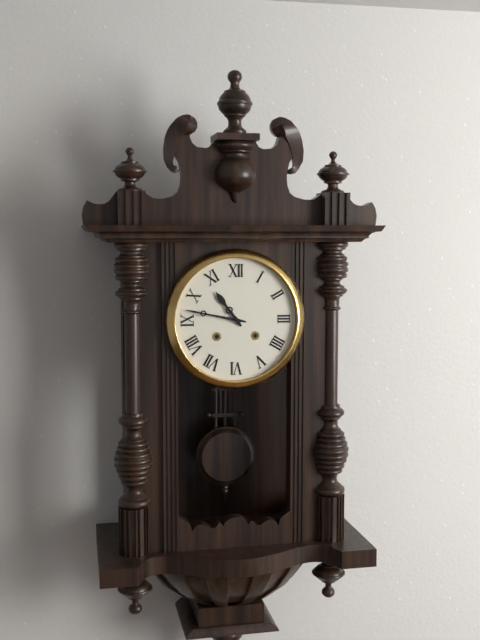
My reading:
**10:47**
